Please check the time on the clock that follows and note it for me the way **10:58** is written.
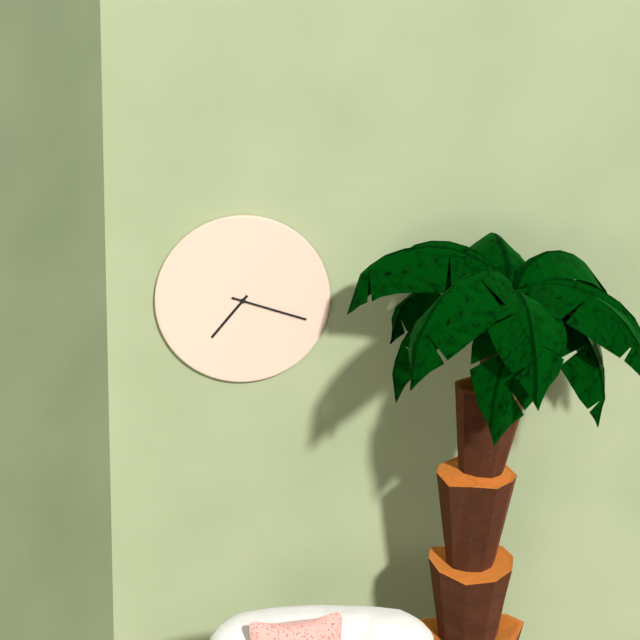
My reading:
**7:18**
